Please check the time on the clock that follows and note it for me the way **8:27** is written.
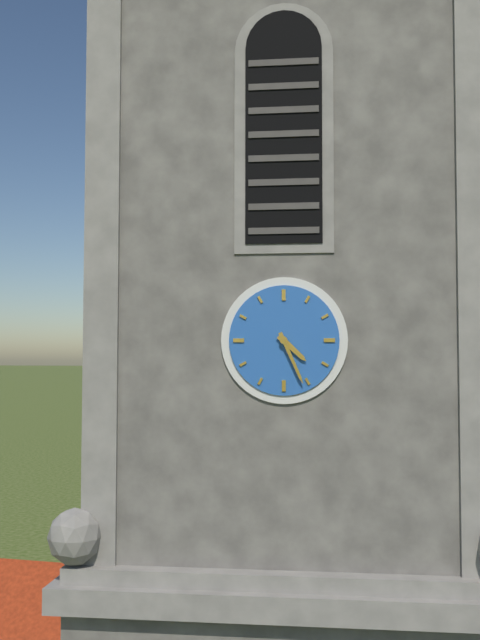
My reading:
**4:26**
